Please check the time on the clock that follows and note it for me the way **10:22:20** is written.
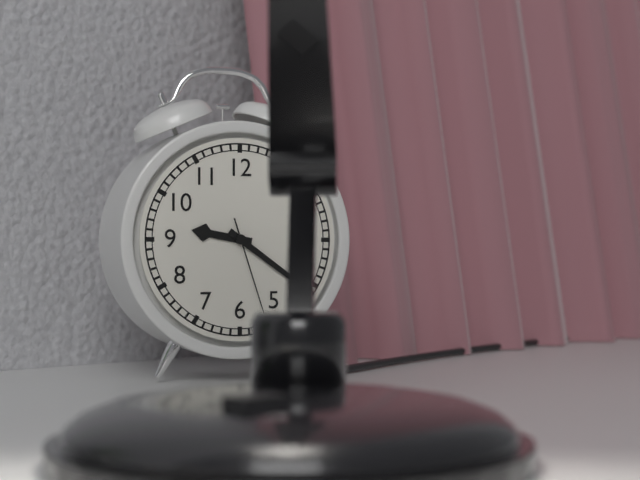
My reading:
**9:21:27**
